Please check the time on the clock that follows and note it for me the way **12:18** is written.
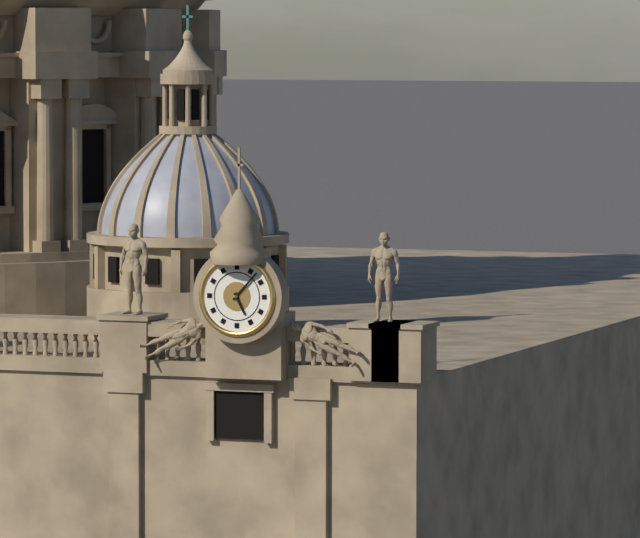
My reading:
**5:07**
